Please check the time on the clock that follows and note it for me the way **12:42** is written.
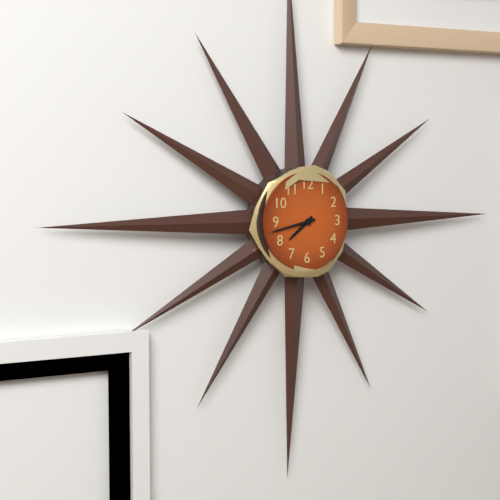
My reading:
**7:43**
